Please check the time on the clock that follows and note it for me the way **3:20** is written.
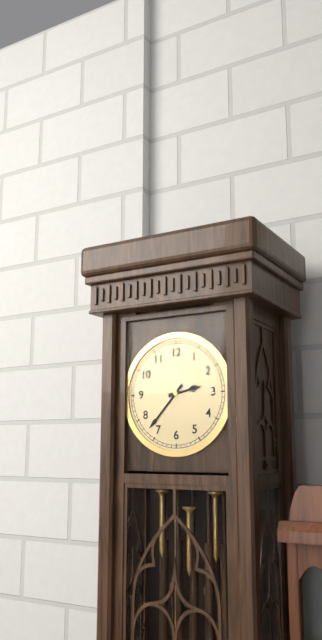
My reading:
**2:37**
